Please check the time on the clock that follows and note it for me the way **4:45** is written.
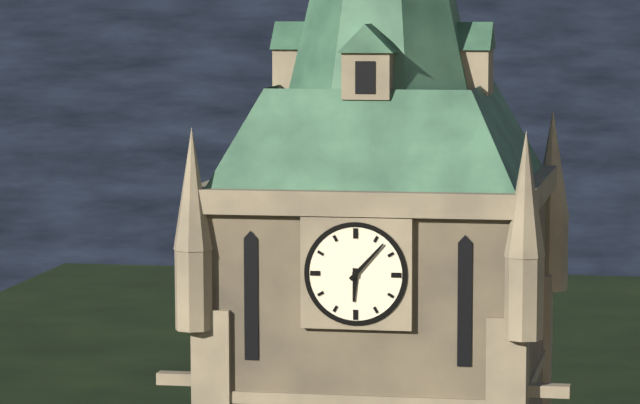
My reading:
**6:07**
